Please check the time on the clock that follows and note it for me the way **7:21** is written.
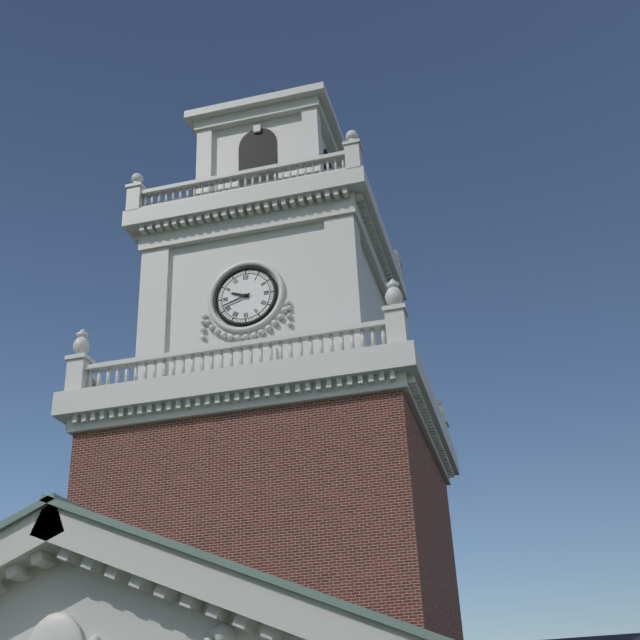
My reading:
**9:42**
